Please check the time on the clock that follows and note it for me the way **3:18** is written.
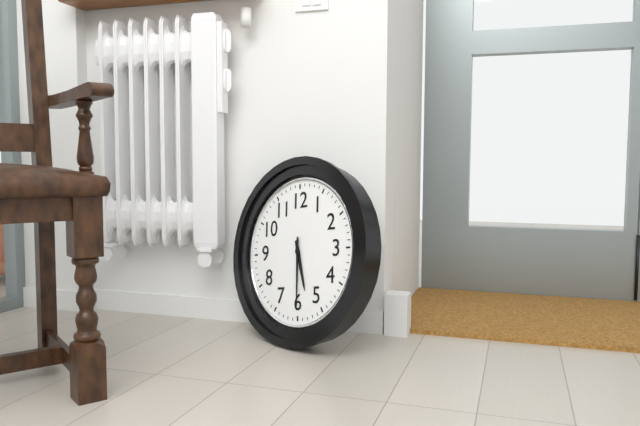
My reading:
**5:30**
